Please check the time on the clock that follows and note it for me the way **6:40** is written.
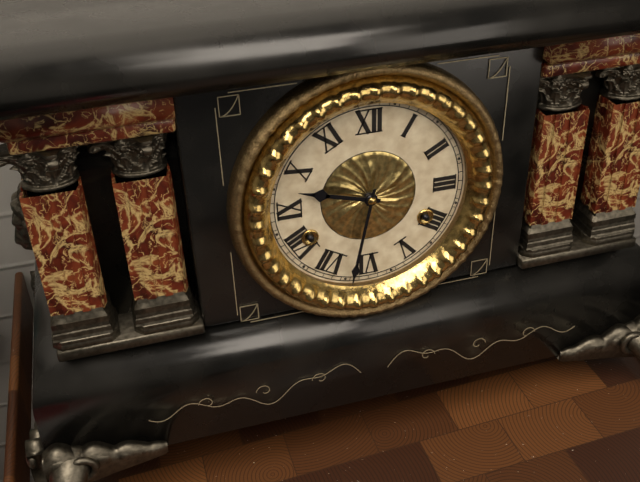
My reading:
**9:32**
